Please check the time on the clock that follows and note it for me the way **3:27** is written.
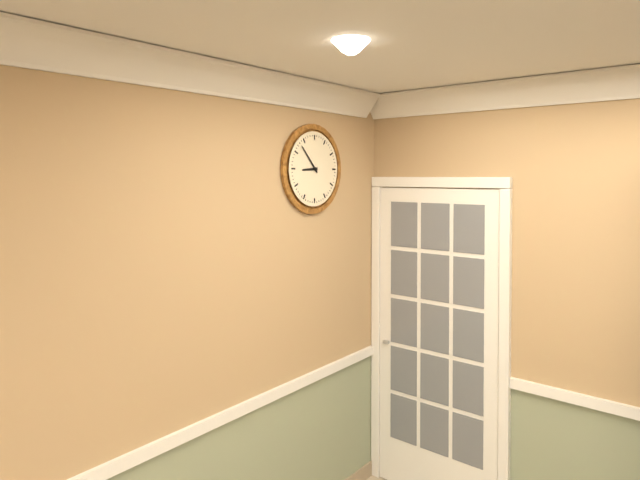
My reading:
**8:53**
